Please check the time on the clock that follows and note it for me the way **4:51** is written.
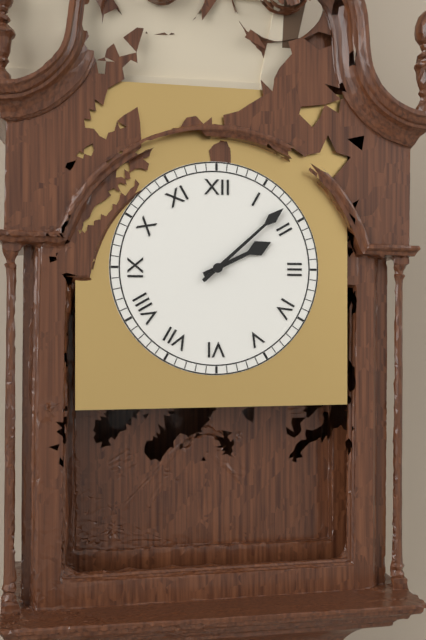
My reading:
**2:08**
